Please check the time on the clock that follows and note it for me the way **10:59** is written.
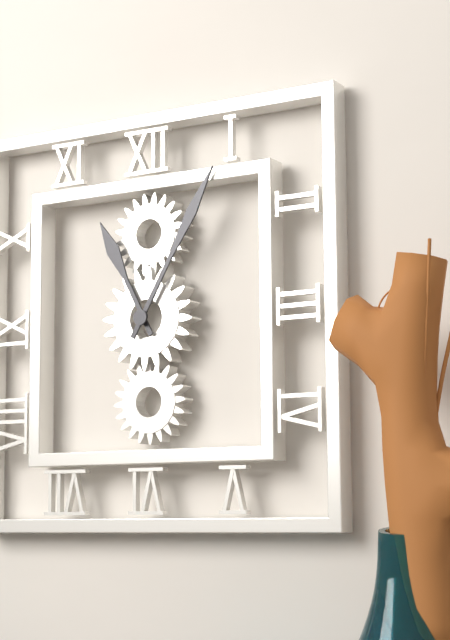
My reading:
**11:05**
